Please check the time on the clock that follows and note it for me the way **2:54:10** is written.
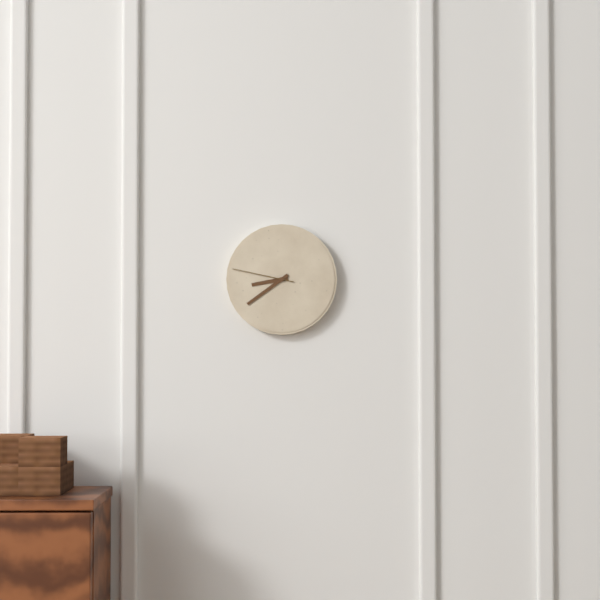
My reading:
**8:39:47**
